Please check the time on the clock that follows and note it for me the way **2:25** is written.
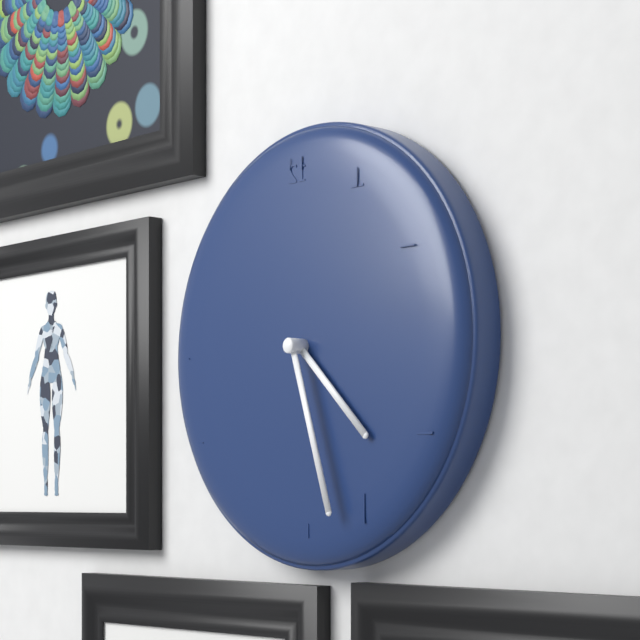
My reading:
**4:27**
